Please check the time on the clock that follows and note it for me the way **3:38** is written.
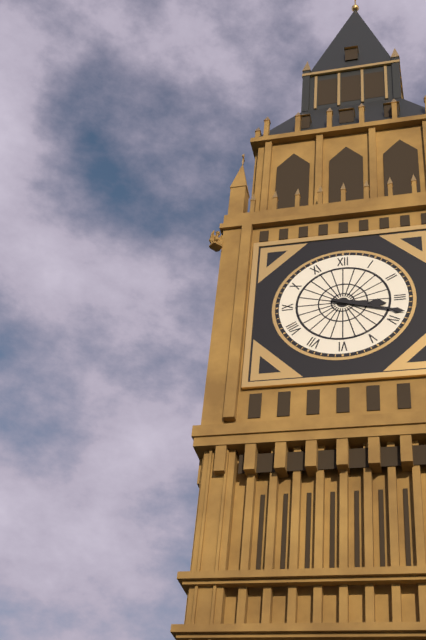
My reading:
**3:18**
